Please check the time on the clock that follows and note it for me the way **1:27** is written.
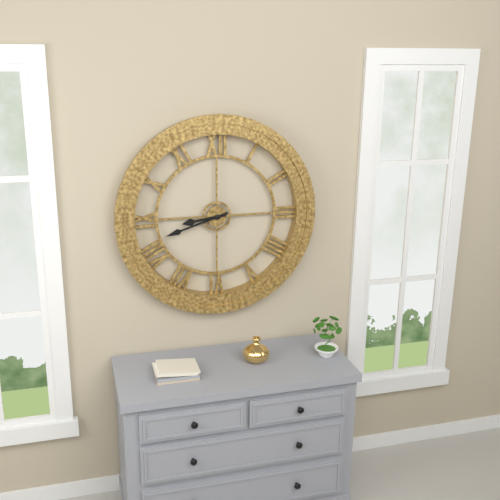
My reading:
**8:42**
